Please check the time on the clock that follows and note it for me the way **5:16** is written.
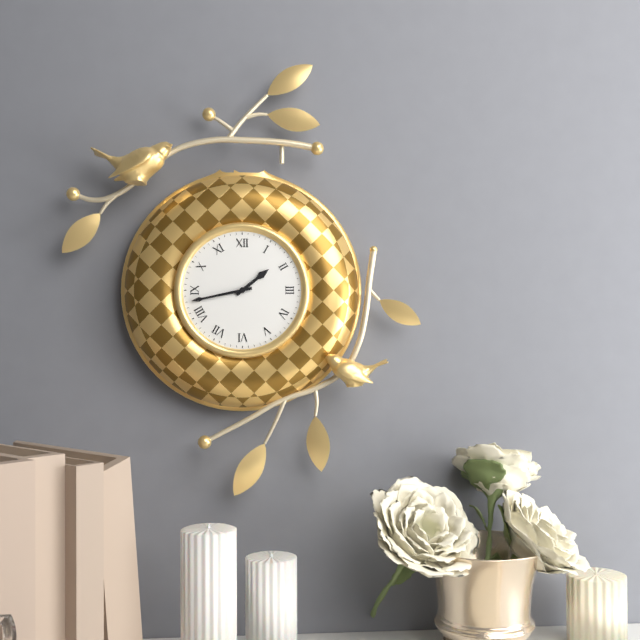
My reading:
**1:43**
